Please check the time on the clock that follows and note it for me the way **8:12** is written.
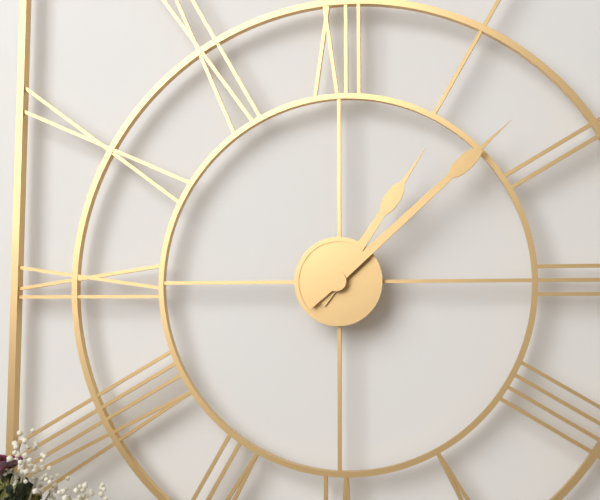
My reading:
**1:08**
